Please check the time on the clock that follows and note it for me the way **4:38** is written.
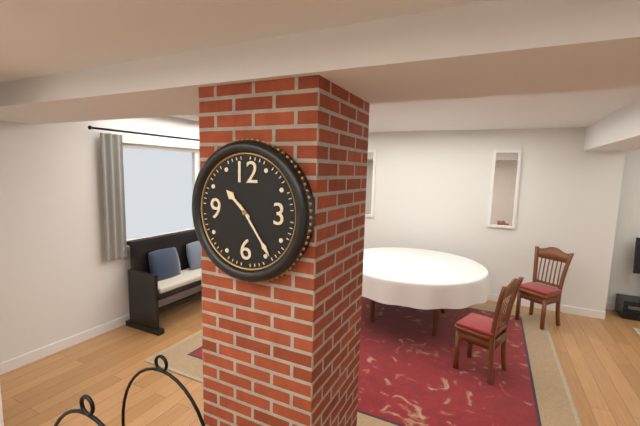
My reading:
**10:24**
